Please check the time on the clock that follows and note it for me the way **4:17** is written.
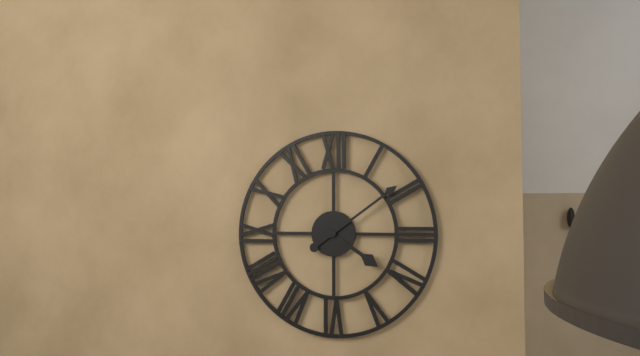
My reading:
**4:09**
